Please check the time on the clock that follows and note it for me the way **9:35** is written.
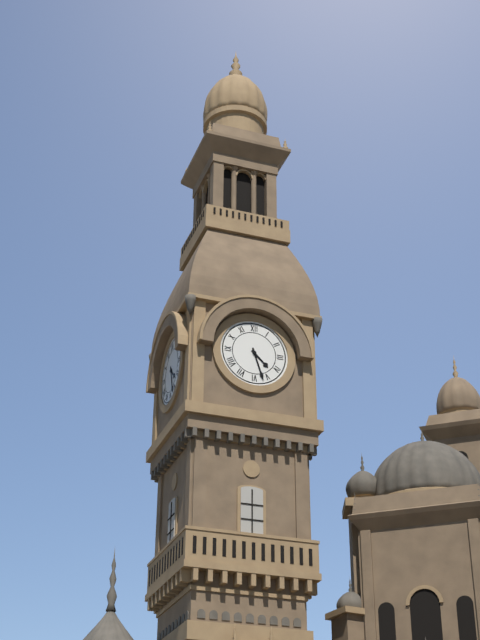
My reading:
**4:27**
